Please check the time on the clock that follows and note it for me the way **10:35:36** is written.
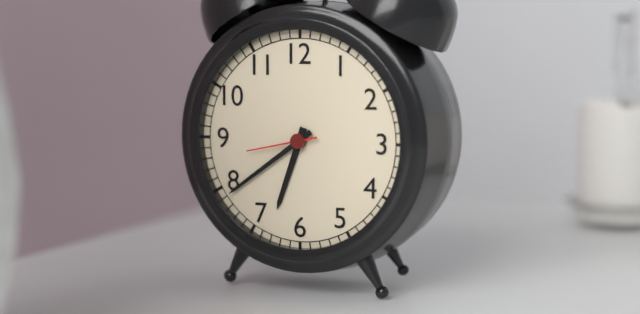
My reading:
**6:39:43**
